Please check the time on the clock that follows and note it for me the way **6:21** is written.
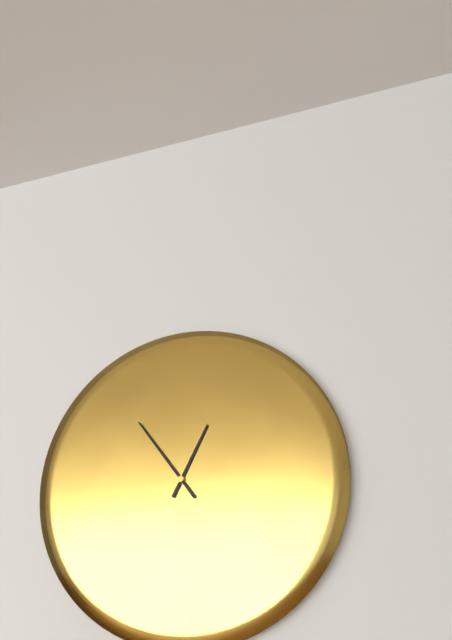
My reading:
**12:54**
